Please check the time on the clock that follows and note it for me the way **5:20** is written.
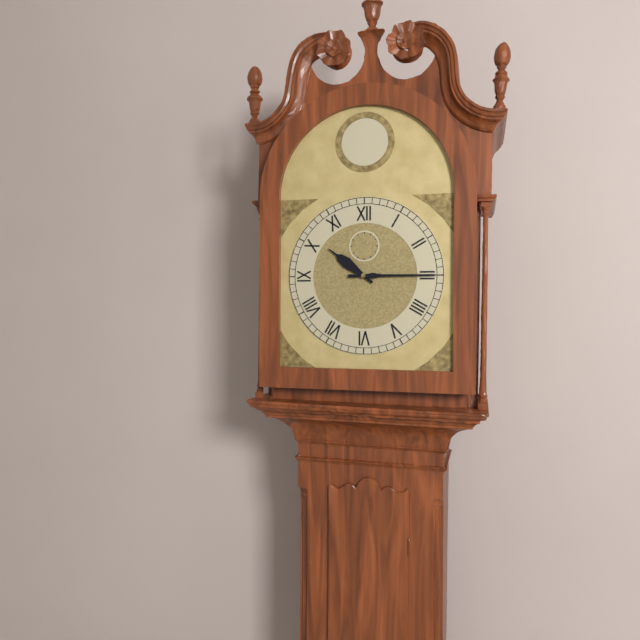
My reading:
**10:15**
